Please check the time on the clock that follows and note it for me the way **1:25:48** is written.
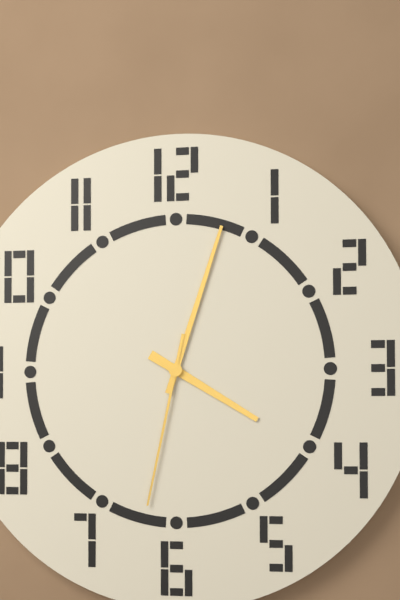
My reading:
**4:03:32**
